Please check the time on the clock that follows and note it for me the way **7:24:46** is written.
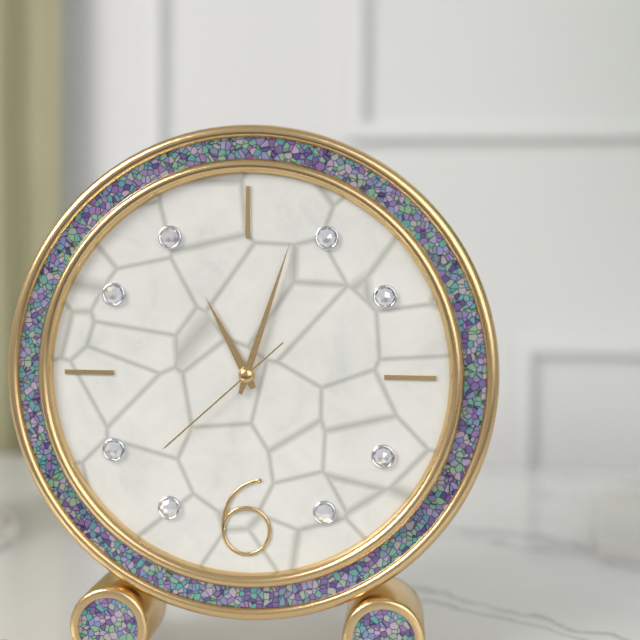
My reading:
**11:03:38**
